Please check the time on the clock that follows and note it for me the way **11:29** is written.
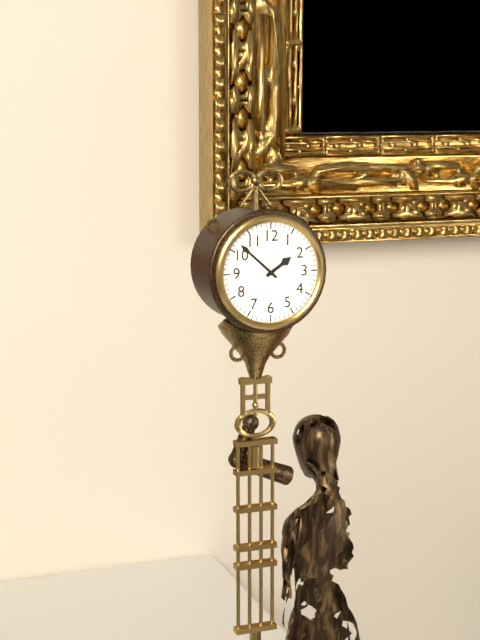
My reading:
**1:52**
